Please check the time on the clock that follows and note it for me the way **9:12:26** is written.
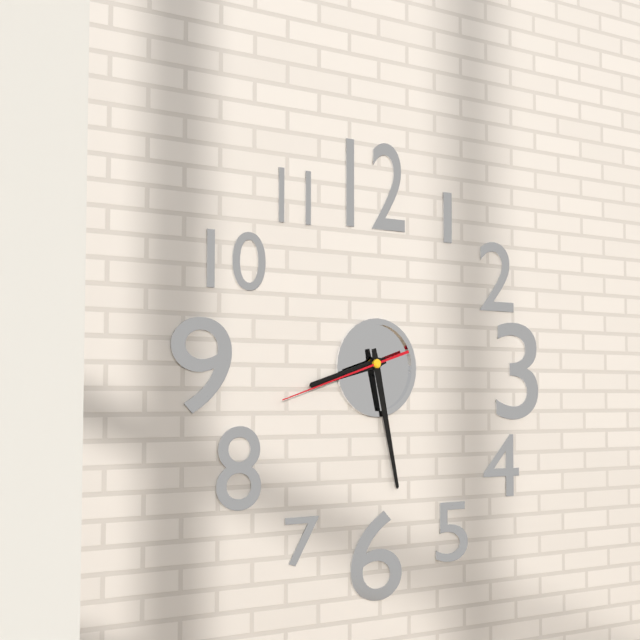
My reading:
**8:28:42**
